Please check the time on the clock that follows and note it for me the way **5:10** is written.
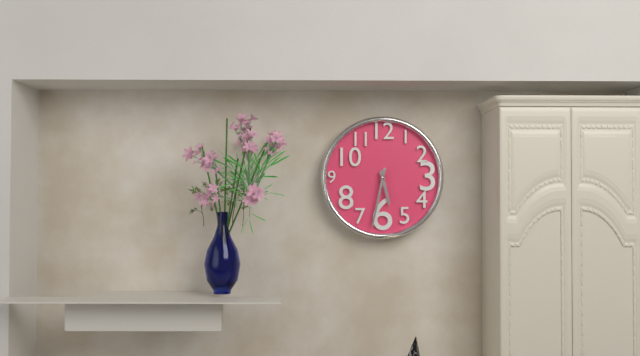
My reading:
**5:32**
